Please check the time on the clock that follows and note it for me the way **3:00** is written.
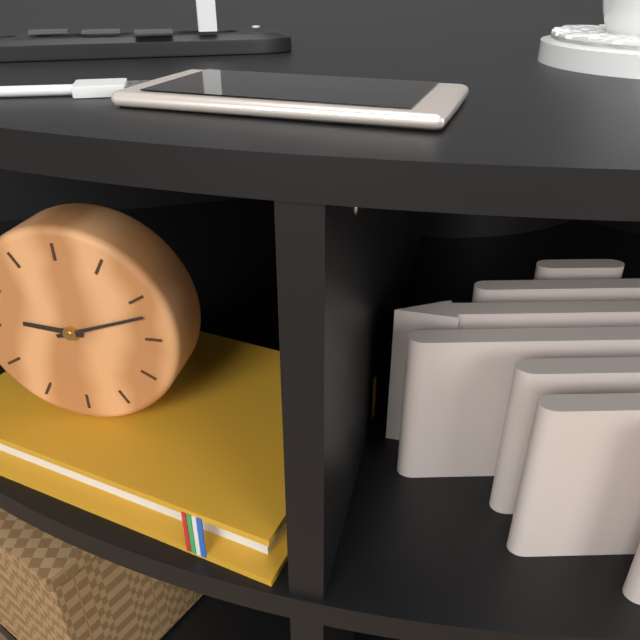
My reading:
**9:12**
